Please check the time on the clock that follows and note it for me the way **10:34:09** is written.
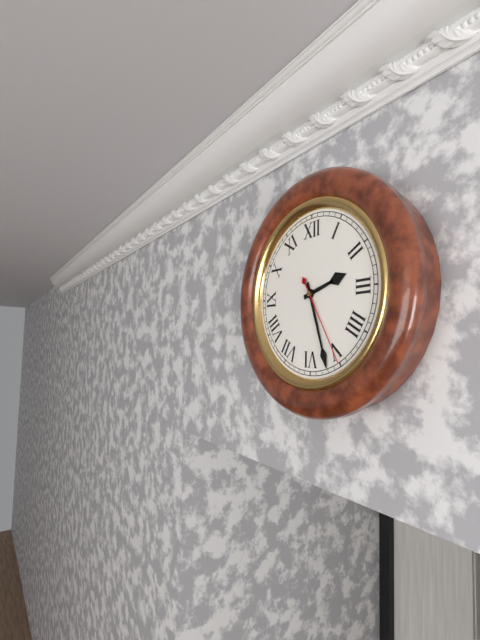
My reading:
**2:27:25**
